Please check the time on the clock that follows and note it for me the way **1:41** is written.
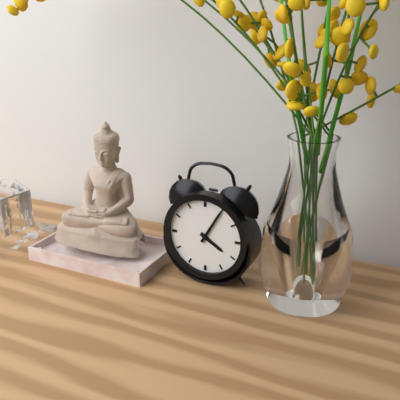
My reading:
**4:05**
